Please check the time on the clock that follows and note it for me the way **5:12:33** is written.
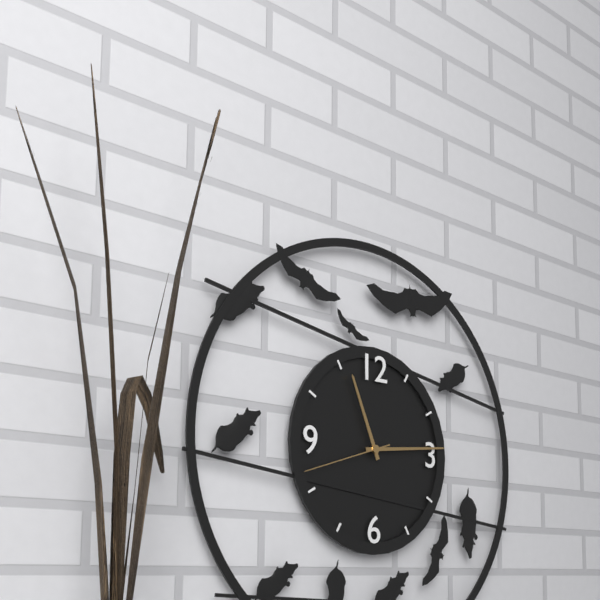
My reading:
**11:14:42**
